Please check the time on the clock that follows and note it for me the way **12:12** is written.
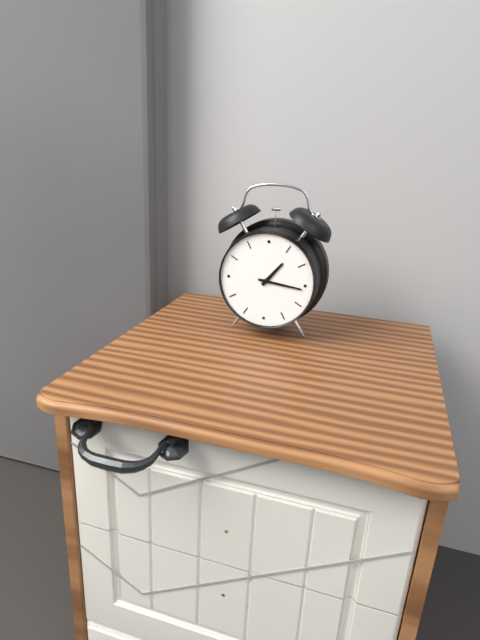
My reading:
**1:16**
